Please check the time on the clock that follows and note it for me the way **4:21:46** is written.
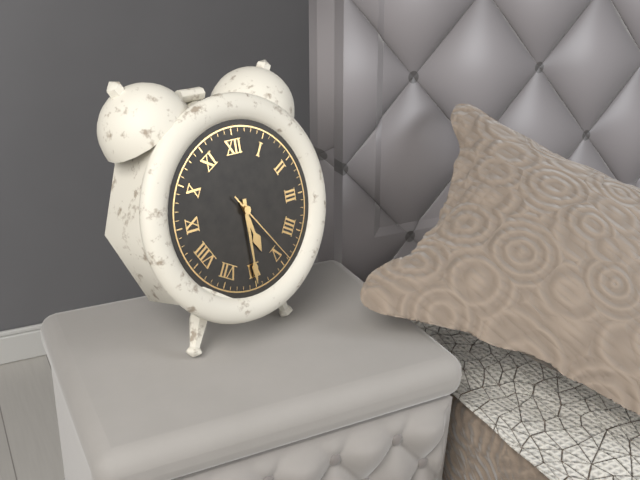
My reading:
**5:30:24**
